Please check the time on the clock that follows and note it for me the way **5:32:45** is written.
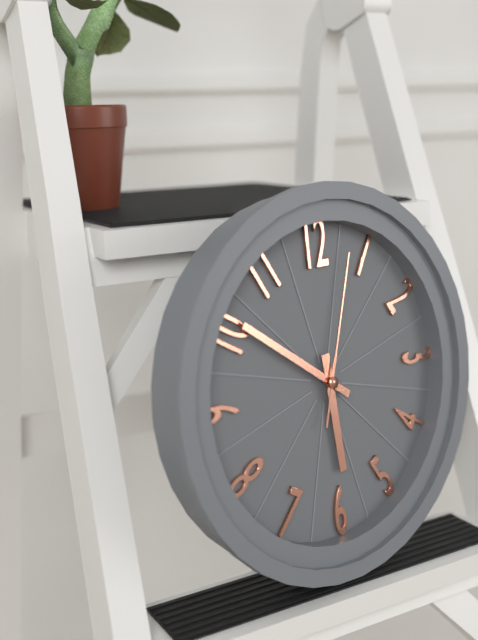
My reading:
**5:51:03**
